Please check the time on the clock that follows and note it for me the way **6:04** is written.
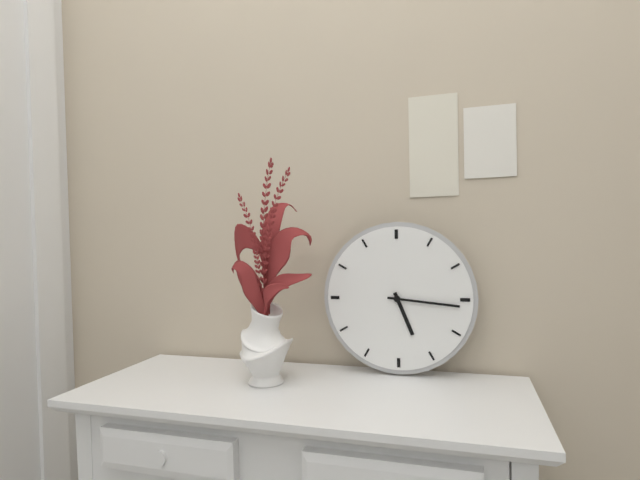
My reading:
**5:16**
